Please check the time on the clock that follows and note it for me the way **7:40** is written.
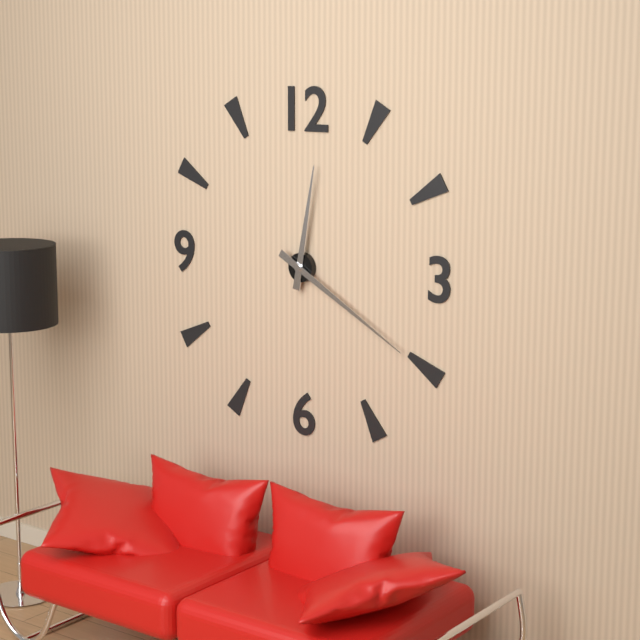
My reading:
**12:20**
